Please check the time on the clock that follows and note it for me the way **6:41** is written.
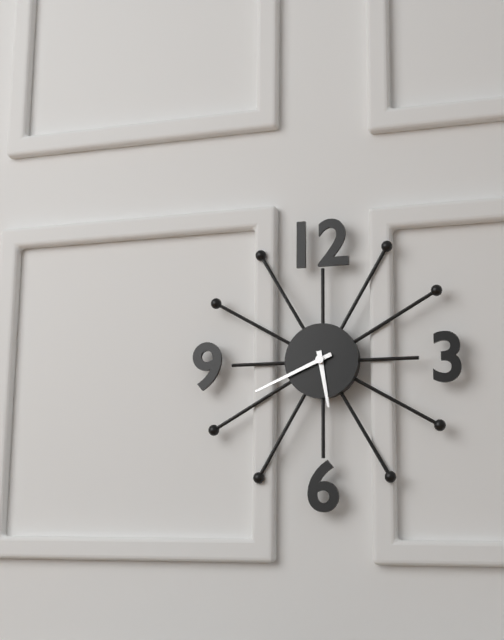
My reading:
**5:41**
